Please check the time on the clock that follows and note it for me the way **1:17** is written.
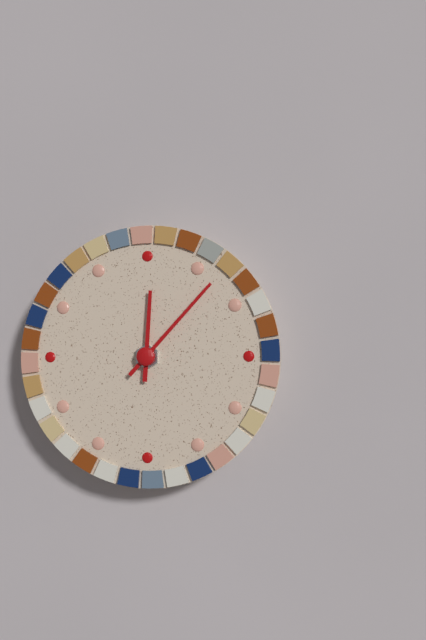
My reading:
**12:07**
